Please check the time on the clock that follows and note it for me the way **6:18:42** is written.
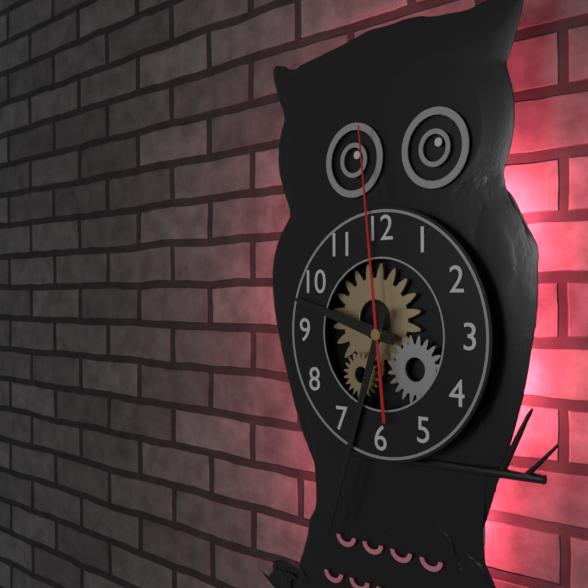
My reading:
**9:33:59**
